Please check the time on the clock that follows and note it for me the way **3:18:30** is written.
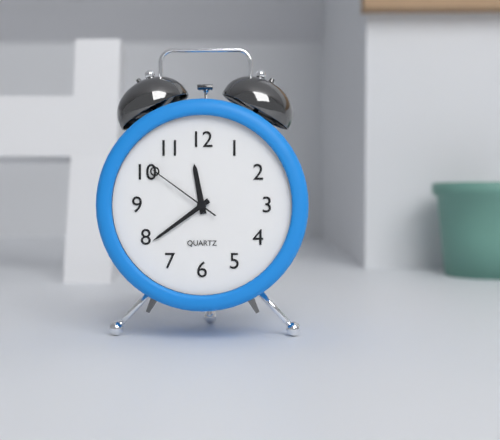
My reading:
**11:39:51**
